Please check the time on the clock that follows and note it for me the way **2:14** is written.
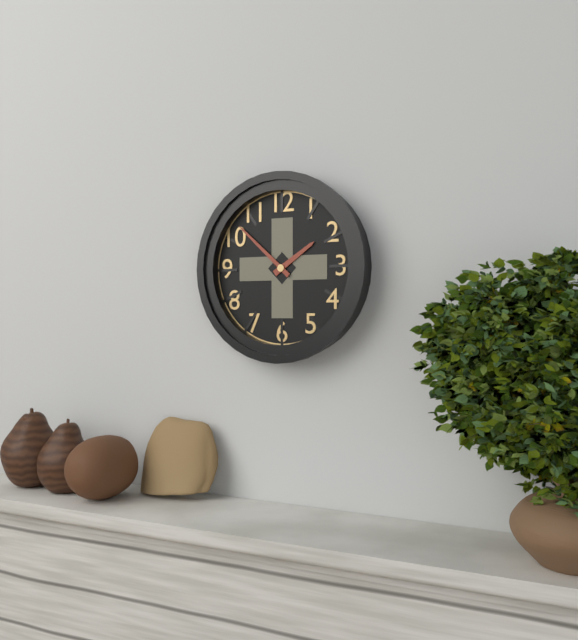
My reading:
**1:52**
